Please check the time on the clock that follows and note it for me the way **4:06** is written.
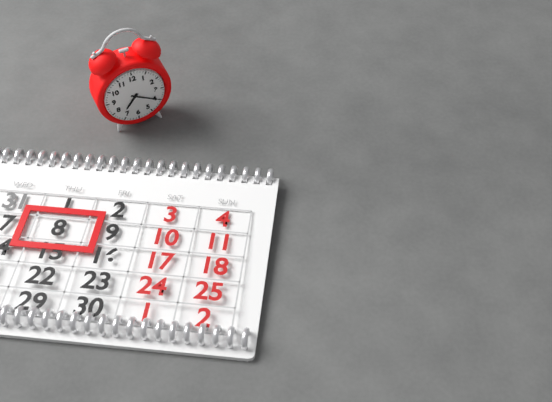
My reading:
**7:20**
